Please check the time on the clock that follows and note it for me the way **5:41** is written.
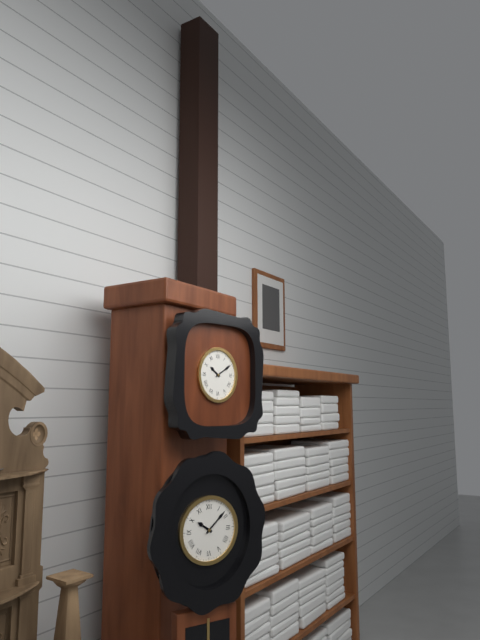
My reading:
**10:10**
